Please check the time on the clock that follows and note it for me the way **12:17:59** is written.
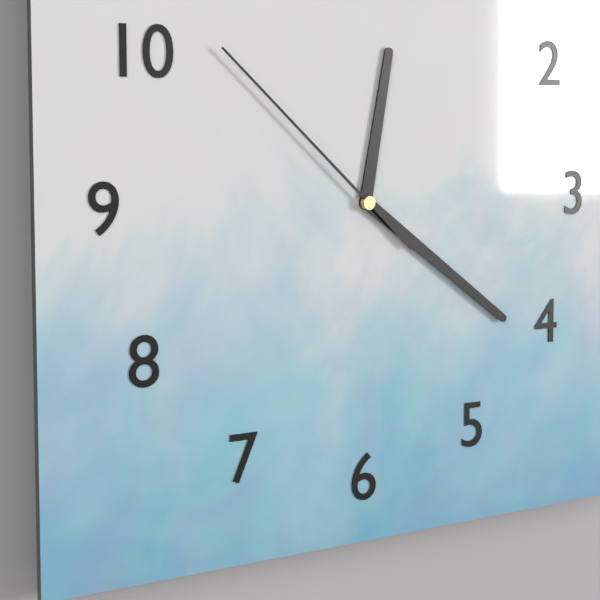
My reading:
**12:21:52**
